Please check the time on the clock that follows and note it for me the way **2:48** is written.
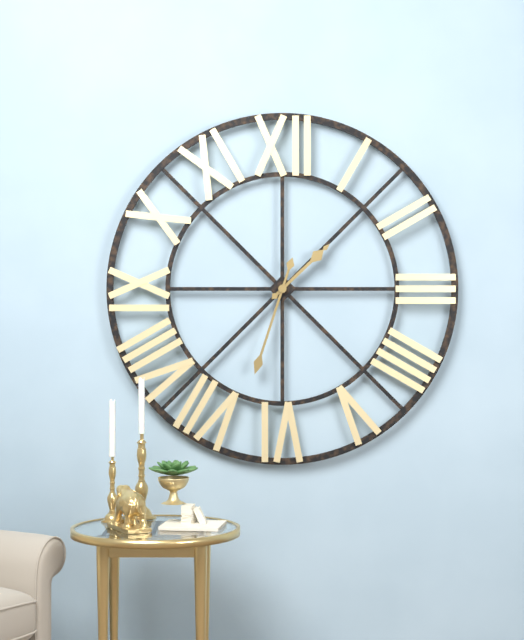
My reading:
**1:33**
